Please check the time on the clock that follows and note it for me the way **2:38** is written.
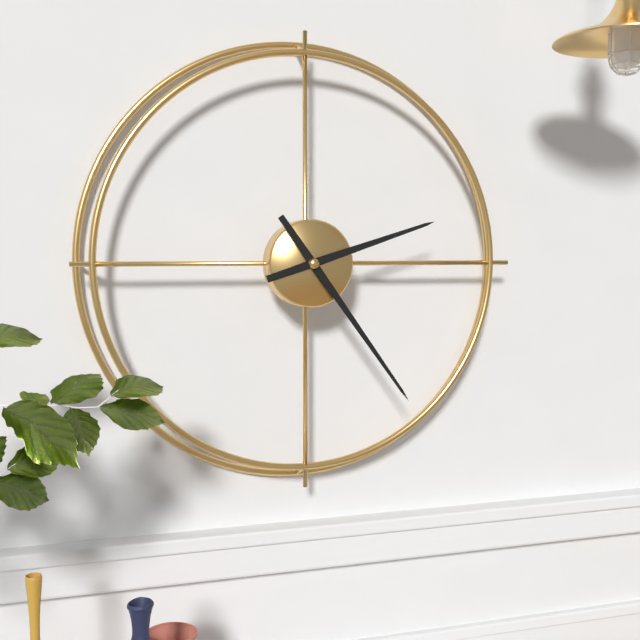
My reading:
**2:24**
